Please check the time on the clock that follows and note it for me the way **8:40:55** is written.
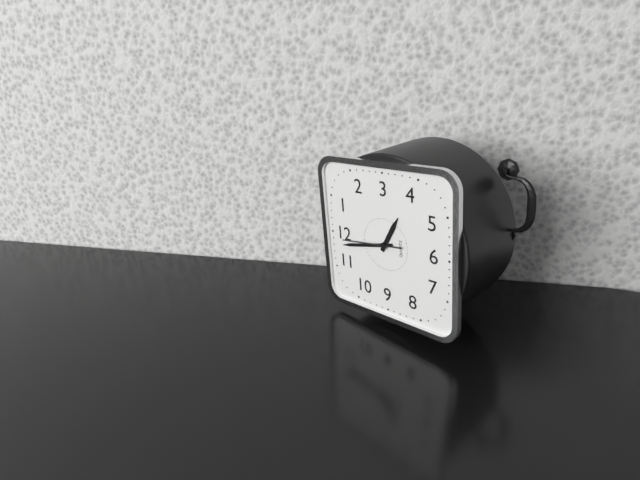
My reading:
**3:58:59**
